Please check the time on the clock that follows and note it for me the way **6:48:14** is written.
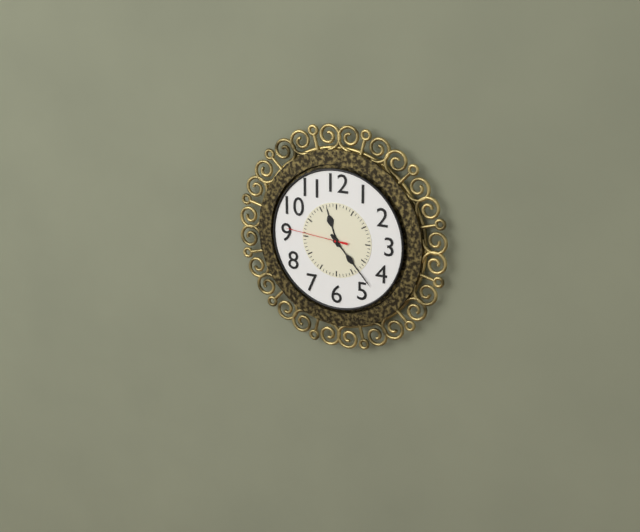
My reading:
**11:23:46**
